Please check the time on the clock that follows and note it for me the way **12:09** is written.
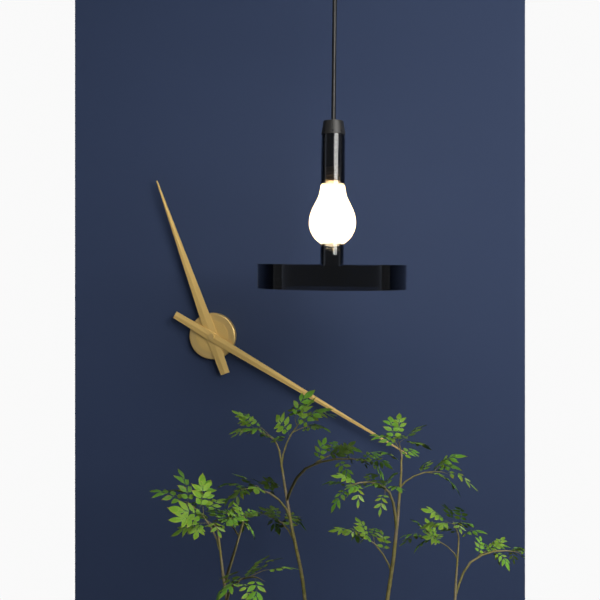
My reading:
**11:20**
